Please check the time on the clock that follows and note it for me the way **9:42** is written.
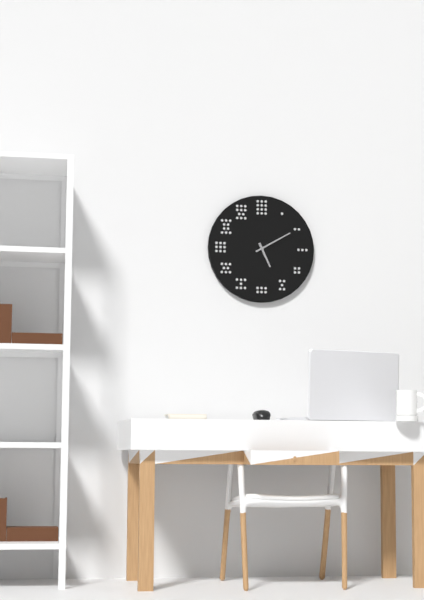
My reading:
**5:10**
